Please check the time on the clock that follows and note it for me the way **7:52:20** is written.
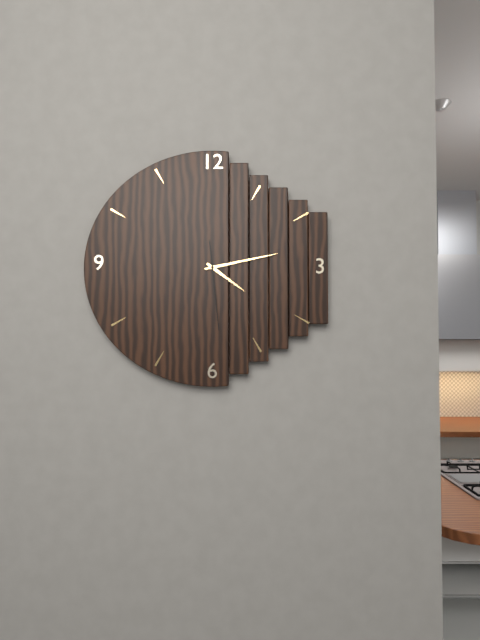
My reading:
**4:13:29**
